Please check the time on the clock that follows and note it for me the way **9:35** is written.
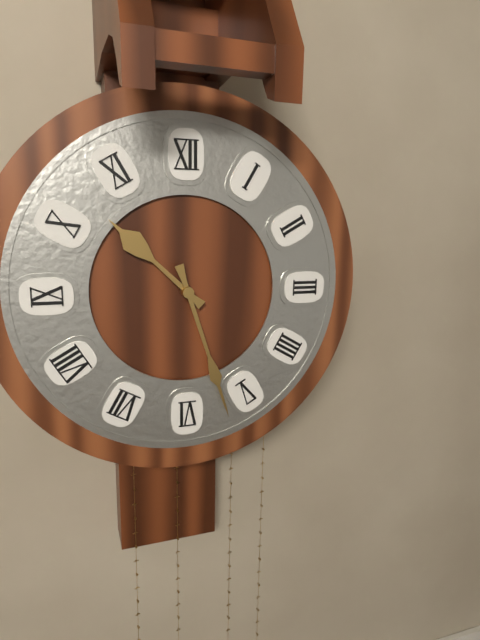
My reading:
**10:27**
